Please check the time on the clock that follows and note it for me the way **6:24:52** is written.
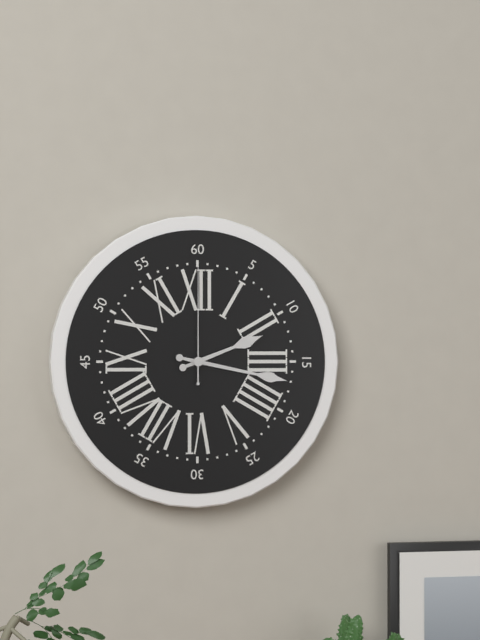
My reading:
**2:17:00**
